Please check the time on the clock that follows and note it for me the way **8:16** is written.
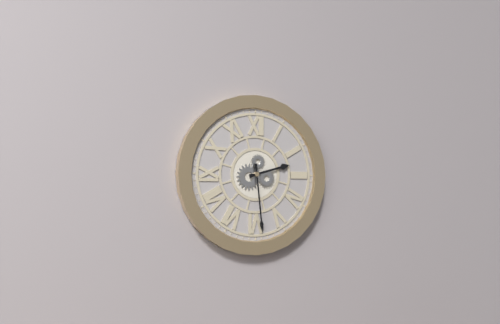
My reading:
**2:29**
